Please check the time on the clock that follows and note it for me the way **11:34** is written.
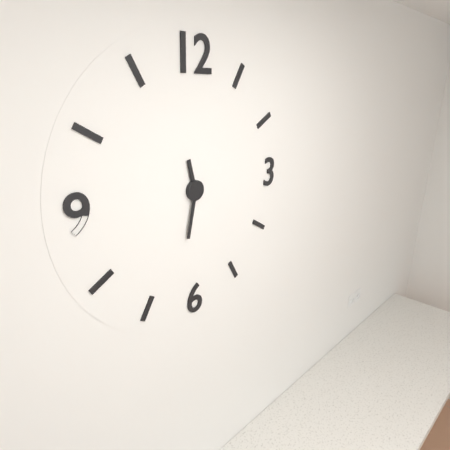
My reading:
**11:32**
